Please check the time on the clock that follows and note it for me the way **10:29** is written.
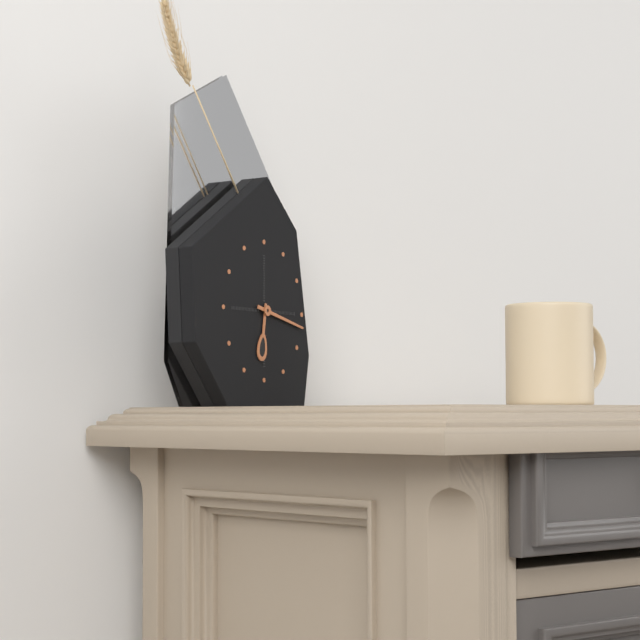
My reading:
**6:17**
